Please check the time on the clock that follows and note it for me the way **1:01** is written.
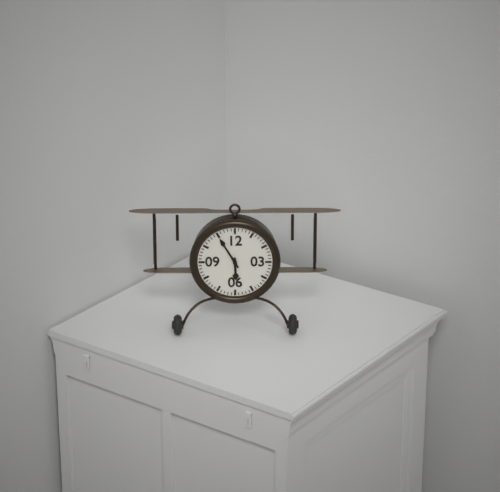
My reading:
**5:55**
